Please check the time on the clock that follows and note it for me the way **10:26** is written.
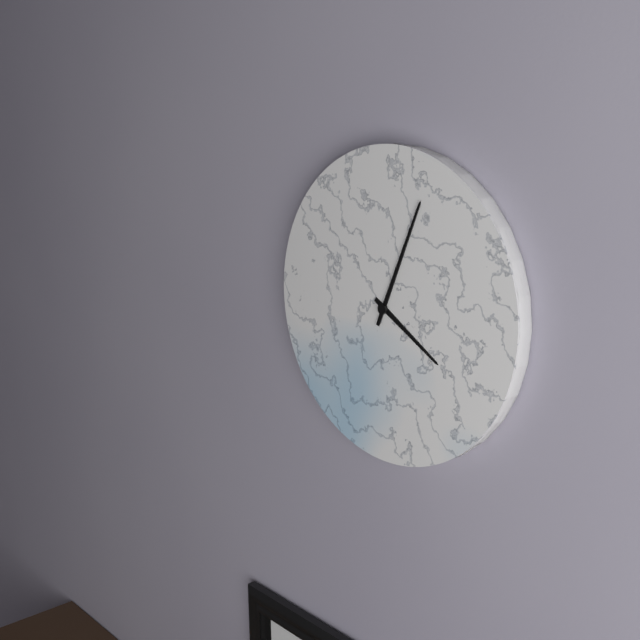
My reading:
**4:04**
